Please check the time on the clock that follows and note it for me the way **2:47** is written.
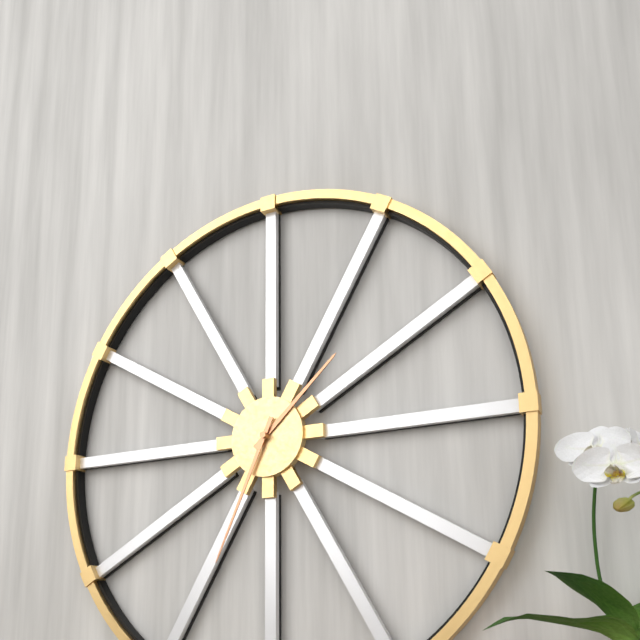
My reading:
**1:34**
